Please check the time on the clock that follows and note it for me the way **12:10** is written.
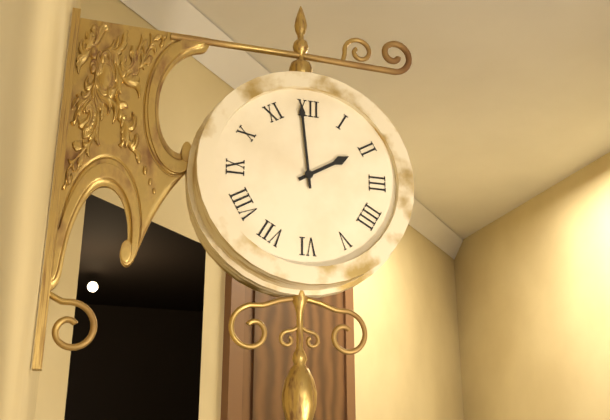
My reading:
**1:59**
